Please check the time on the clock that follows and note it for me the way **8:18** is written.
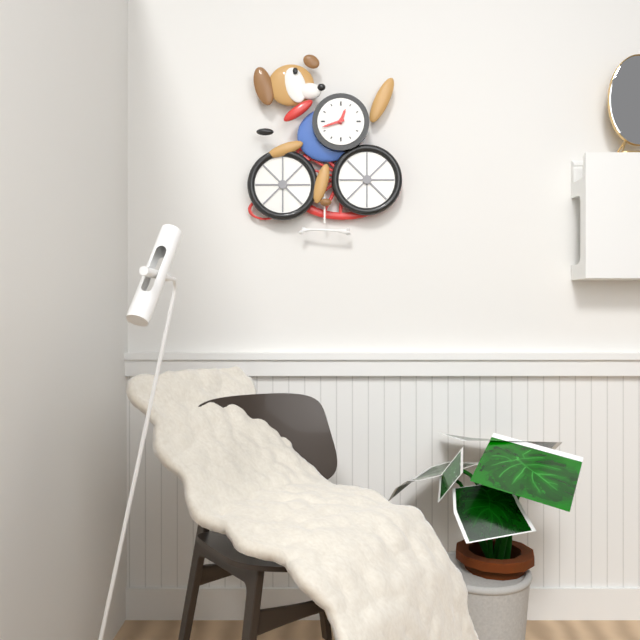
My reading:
**12:42**
